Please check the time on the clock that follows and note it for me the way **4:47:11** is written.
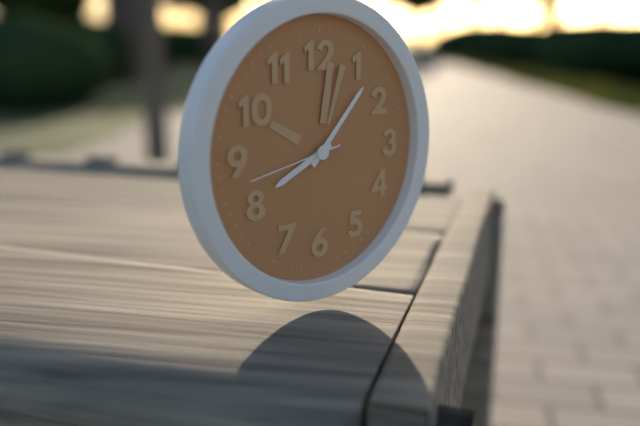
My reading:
**8:07:43**
